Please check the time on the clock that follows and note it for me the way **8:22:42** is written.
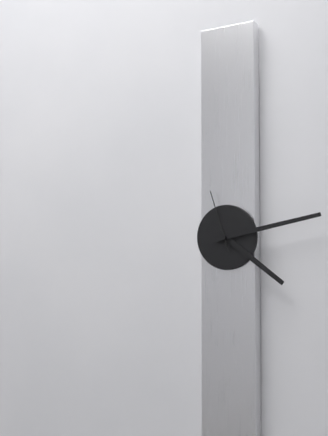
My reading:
**4:13:57**
